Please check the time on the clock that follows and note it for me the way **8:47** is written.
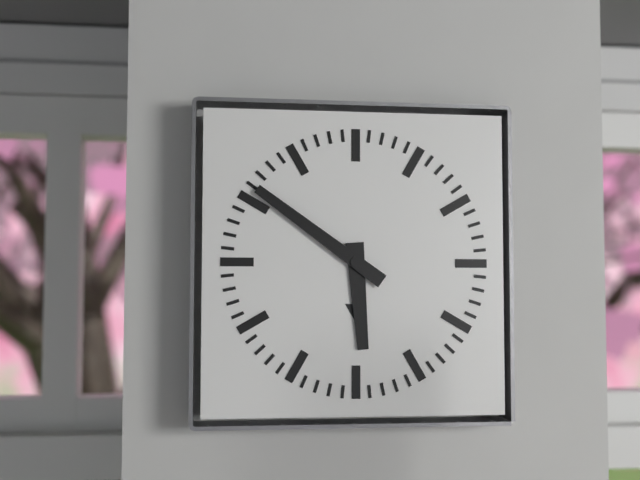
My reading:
**5:51**
